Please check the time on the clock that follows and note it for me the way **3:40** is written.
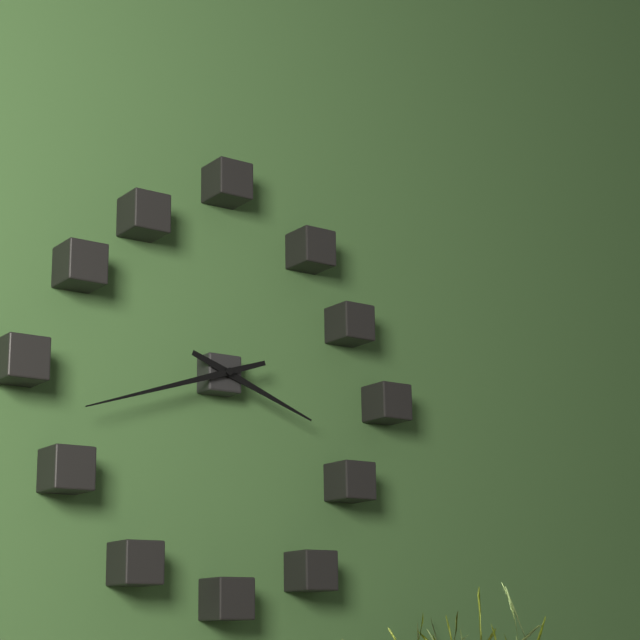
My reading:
**3:42**
